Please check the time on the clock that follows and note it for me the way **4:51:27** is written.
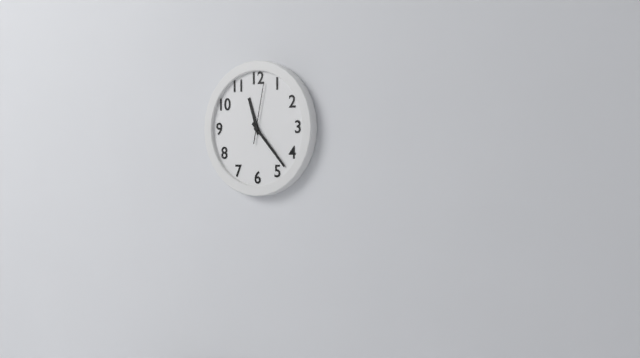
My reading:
**11:23:02**
